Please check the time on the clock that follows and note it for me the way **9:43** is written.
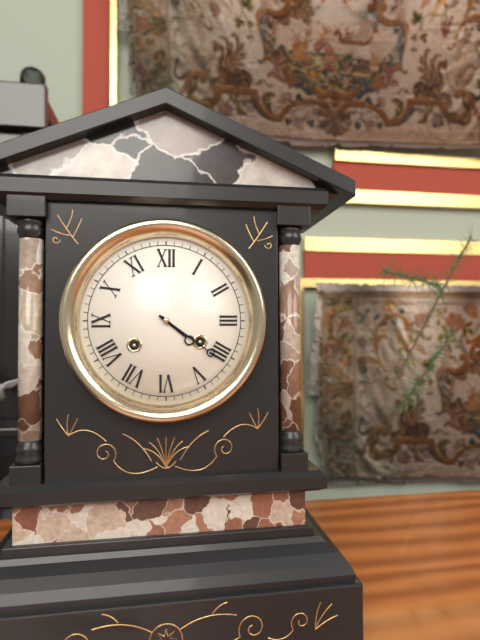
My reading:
**4:21**
